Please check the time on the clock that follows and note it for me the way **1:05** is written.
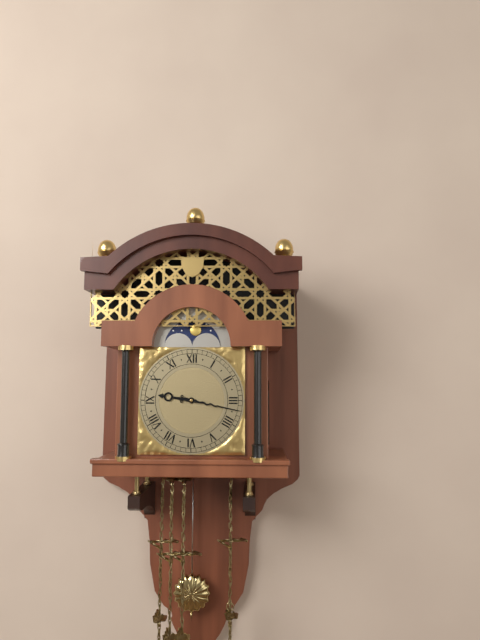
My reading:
**9:17**
